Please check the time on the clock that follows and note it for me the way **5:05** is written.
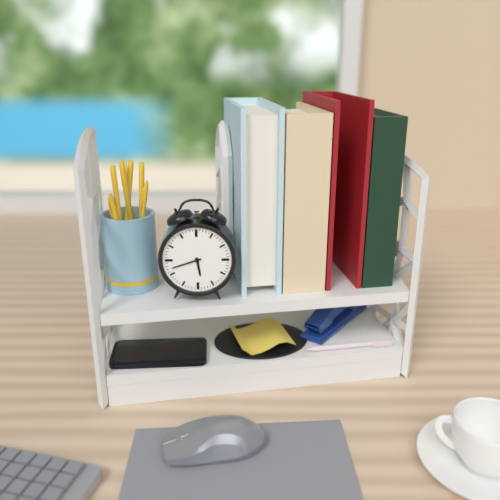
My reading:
**5:42**
